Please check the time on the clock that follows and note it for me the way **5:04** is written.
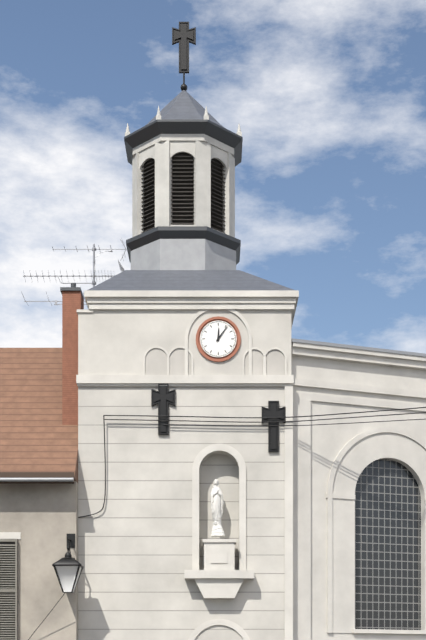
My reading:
**12:06**
